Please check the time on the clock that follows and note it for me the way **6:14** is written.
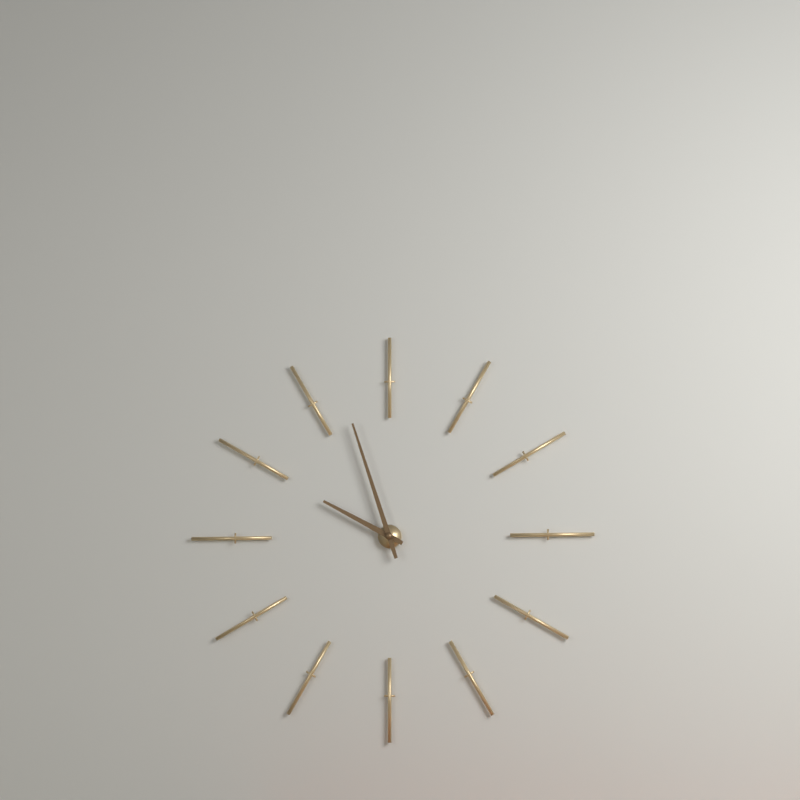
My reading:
**9:57**
